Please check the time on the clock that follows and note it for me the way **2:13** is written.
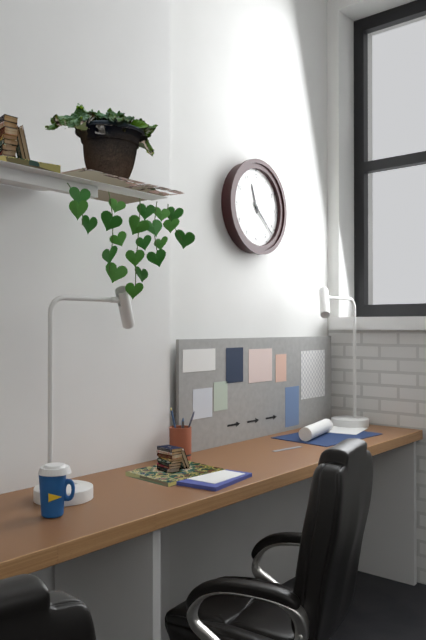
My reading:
**11:22**
